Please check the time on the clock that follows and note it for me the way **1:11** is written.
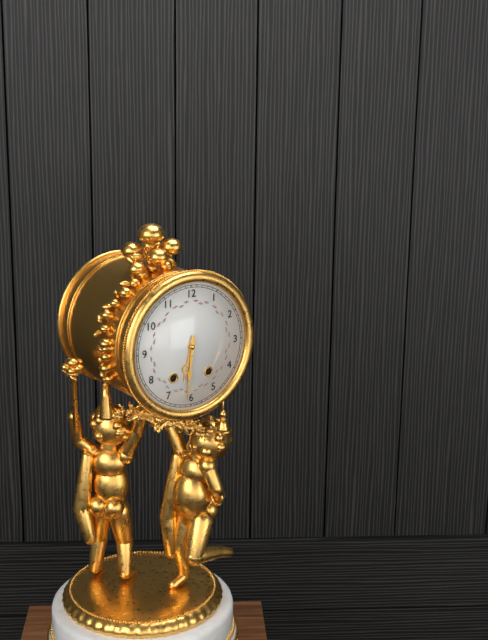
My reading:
**6:31**
